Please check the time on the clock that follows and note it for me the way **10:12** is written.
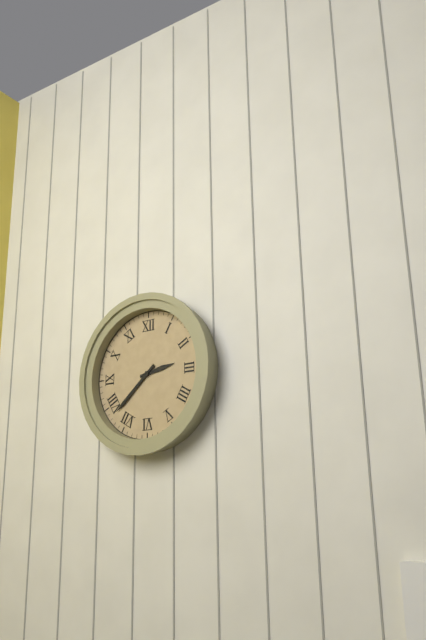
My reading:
**2:38**
